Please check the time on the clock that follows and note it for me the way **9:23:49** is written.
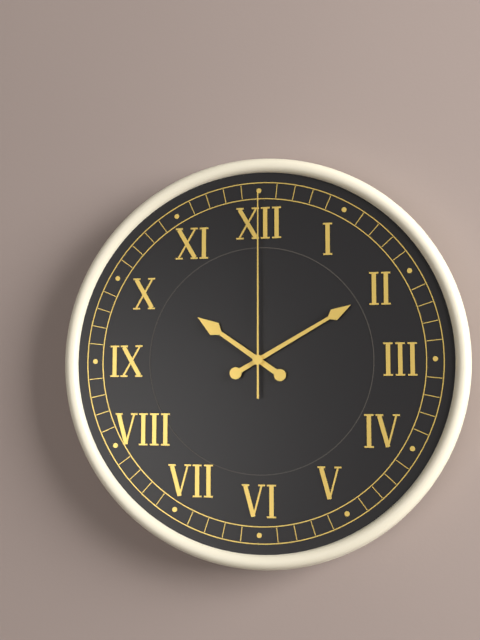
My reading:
**10:10:00**
